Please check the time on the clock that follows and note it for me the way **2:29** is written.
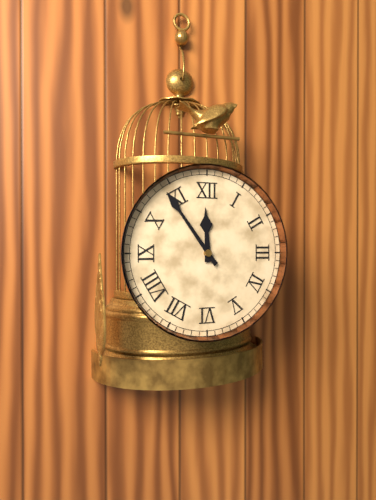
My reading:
**11:54**
